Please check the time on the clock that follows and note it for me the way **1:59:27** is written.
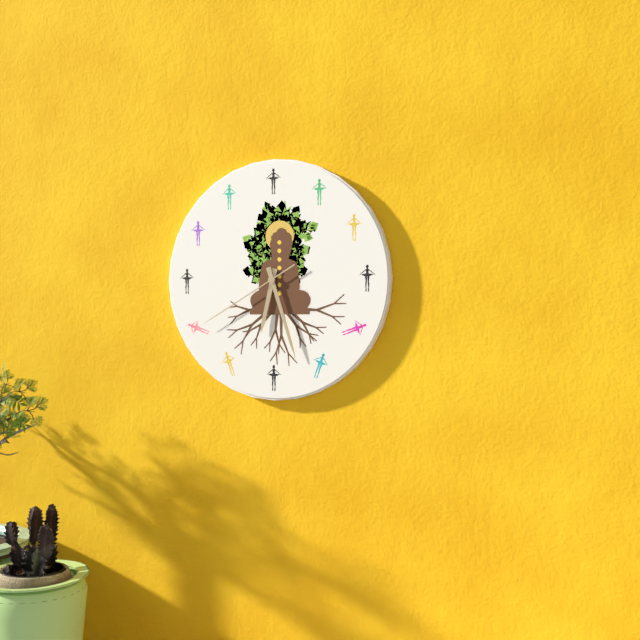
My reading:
**6:27:40**
